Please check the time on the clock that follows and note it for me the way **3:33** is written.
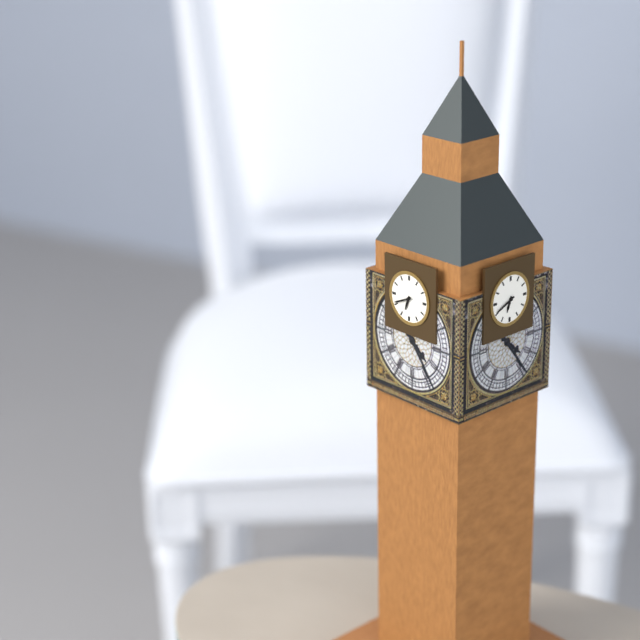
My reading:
**6:41**
